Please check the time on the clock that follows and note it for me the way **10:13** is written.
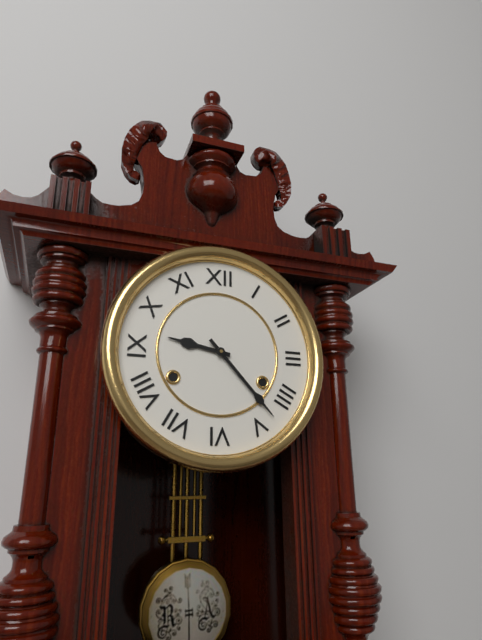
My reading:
**9:23**
